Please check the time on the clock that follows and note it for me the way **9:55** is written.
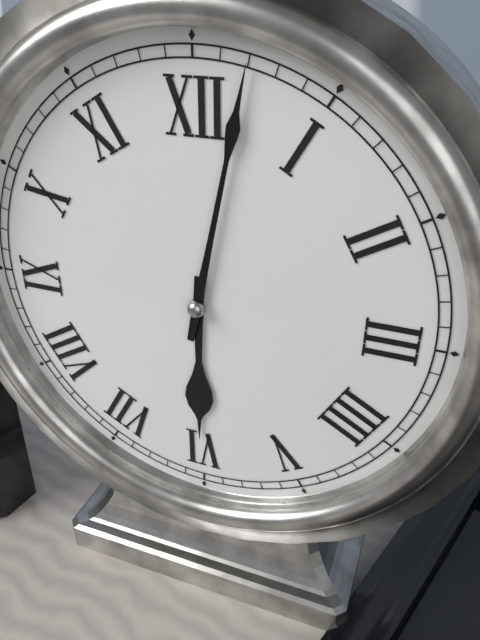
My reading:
**6:02**
